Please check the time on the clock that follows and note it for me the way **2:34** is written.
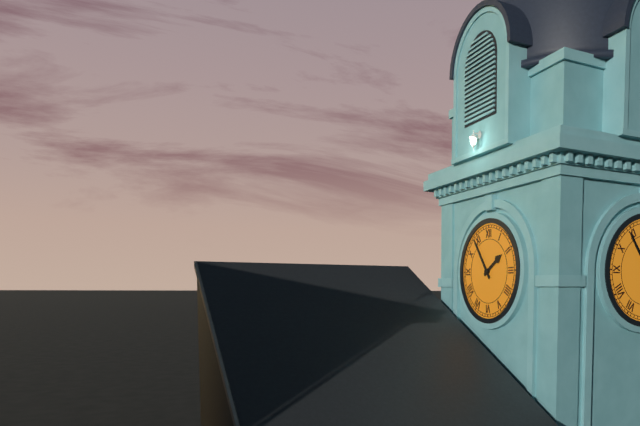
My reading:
**1:54**
